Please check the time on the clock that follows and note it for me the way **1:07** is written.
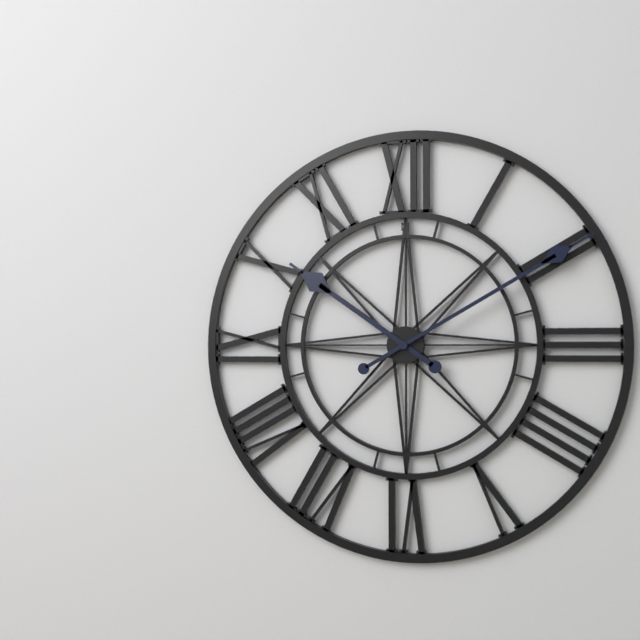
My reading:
**10:10**
